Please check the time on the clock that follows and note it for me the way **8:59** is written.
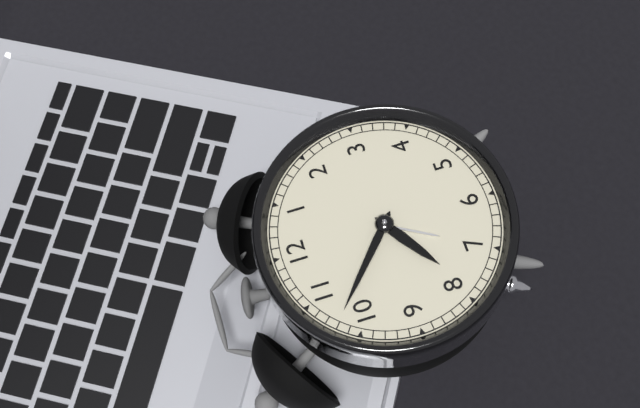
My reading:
**7:52**
